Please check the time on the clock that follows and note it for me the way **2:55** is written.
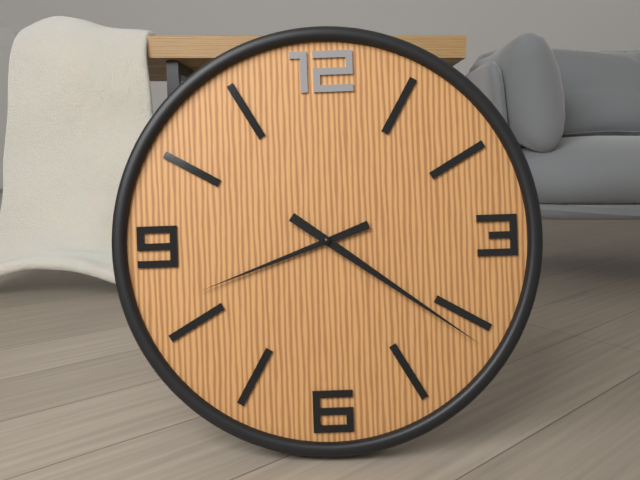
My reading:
**8:21**
